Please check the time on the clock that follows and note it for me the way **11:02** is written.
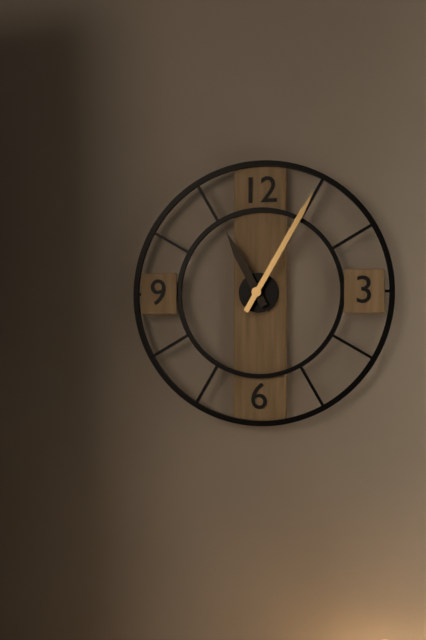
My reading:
**11:05**
